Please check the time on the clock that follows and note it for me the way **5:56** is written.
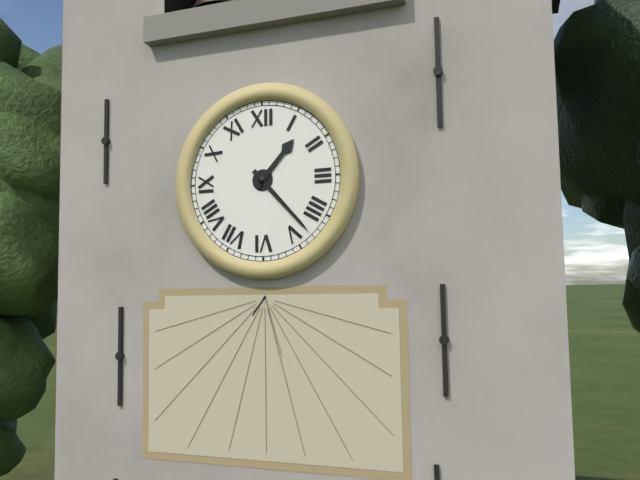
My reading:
**1:23**
